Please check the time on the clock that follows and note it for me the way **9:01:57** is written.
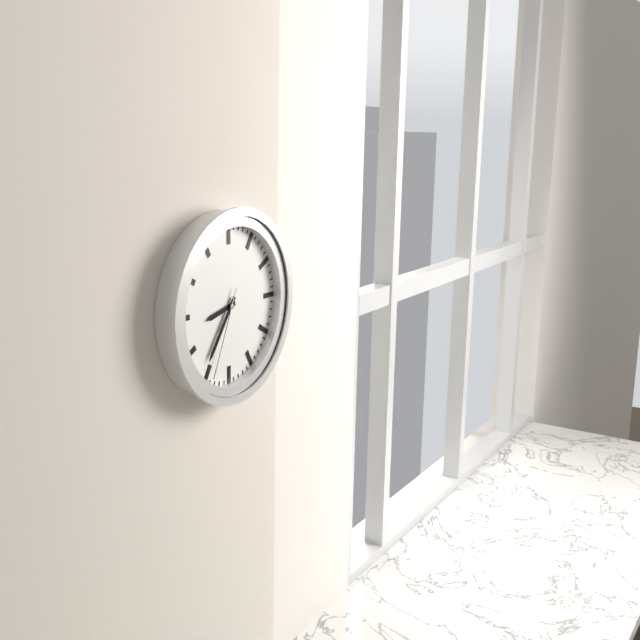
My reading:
**8:36:34**
